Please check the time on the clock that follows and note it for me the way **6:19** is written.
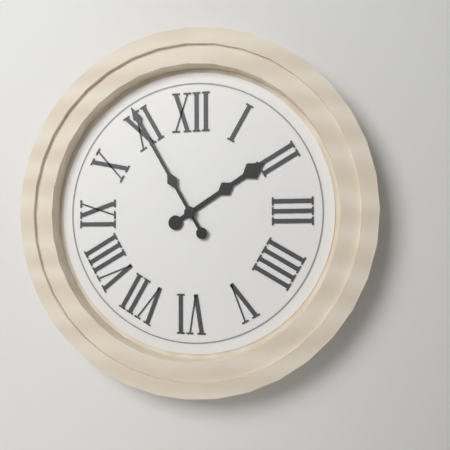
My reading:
**1:55**
